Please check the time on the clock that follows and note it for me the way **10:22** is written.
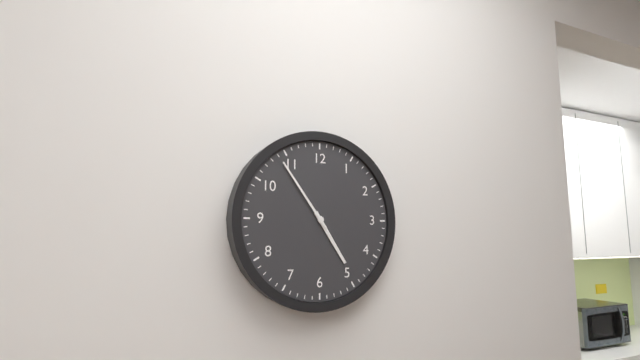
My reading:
**4:54**
